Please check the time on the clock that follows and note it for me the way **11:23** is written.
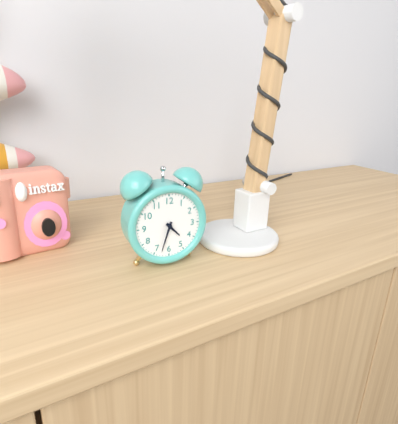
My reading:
**4:33**
